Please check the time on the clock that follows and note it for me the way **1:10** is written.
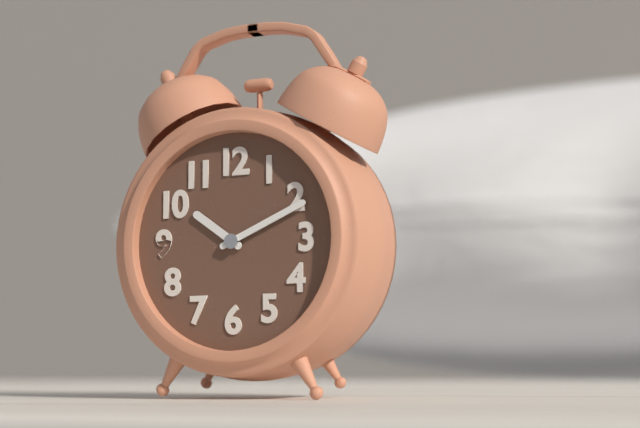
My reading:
**10:11**
